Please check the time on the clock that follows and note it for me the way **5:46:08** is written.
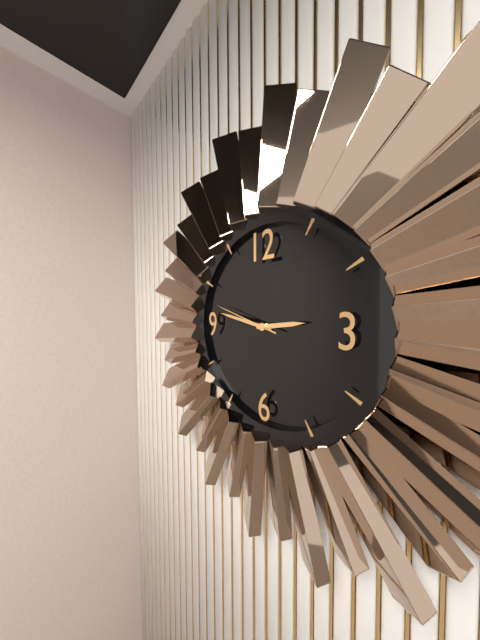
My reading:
**2:47:48**
